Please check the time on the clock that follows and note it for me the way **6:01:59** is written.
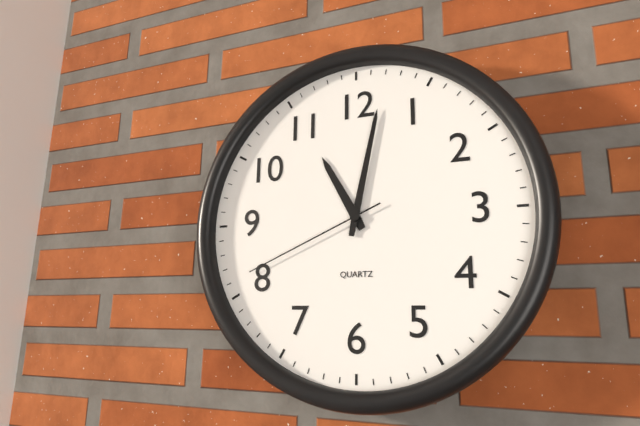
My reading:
**11:02:41**
